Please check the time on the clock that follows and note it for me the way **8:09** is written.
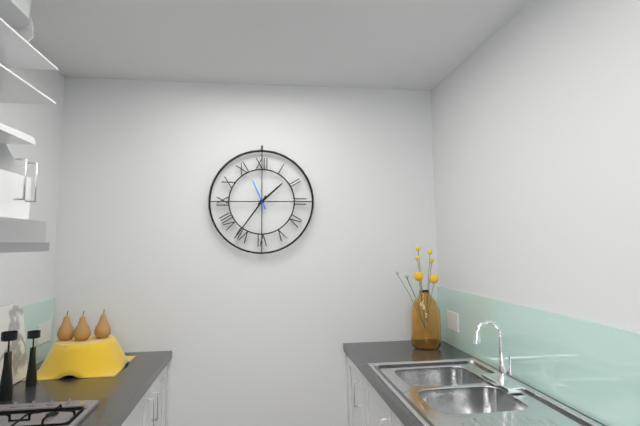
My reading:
**1:36**
